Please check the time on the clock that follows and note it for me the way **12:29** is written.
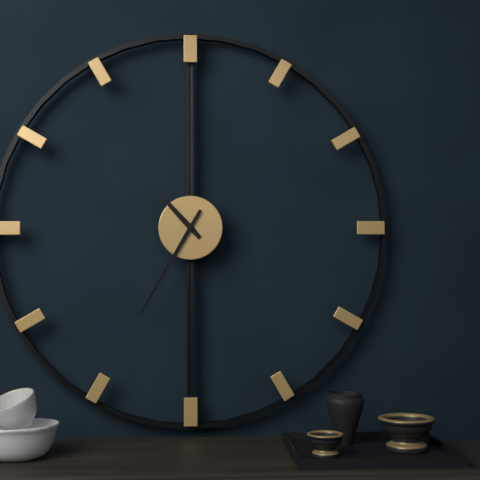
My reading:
**10:35**
